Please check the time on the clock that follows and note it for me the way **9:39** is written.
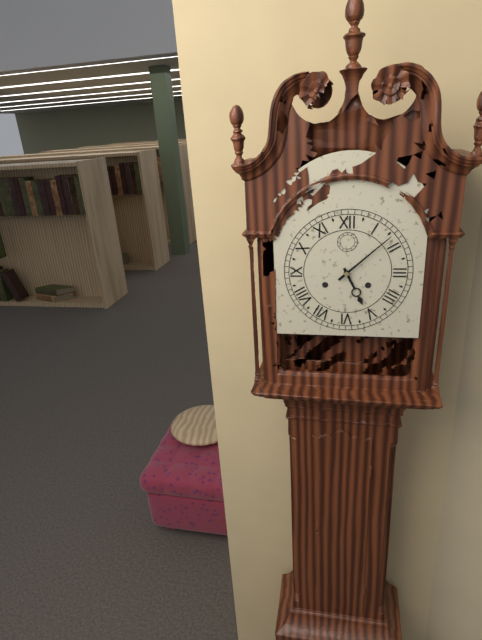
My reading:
**5:08**
